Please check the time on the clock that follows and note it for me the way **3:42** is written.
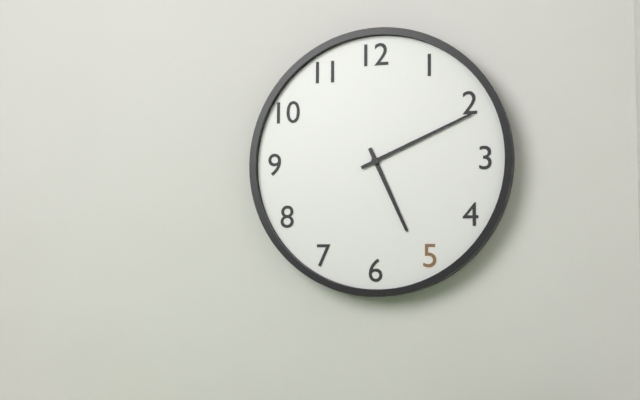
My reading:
**5:11**
